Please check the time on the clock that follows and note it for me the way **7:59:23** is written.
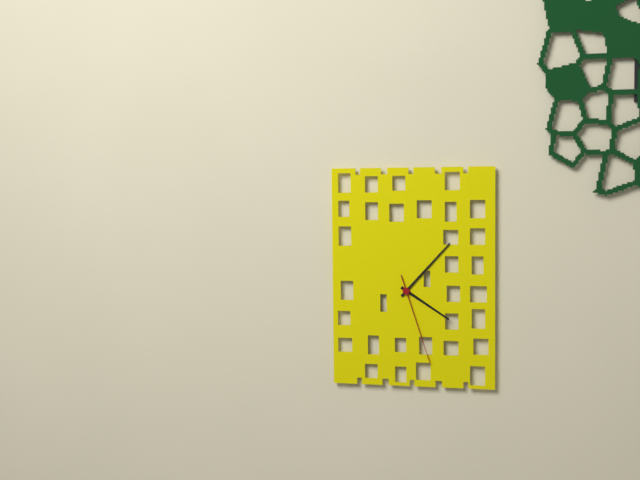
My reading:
**4:07:27**
